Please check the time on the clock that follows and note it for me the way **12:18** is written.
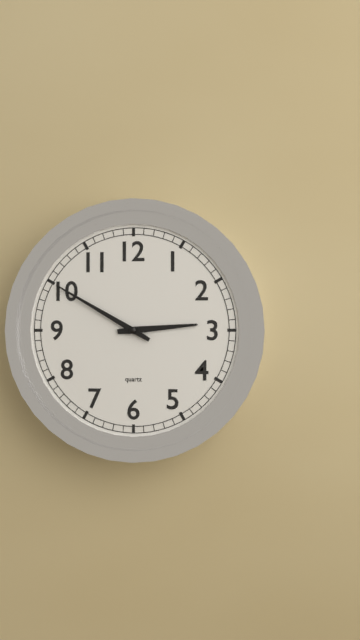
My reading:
**2:50**
